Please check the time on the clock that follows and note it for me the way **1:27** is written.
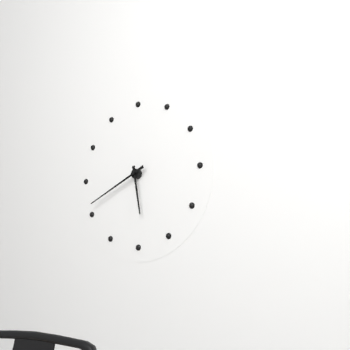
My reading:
**5:41**
